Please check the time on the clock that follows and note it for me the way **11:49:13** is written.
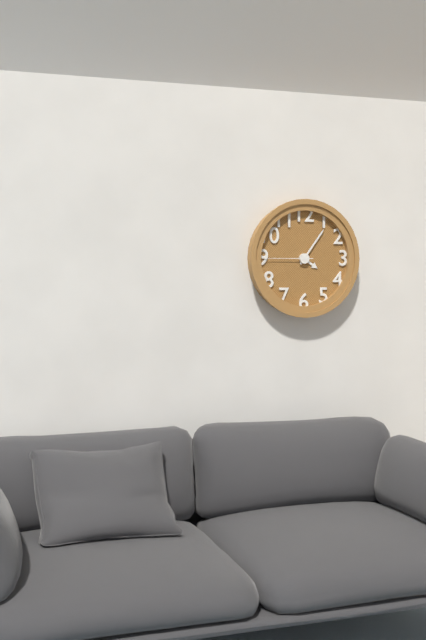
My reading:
**4:06:45**
